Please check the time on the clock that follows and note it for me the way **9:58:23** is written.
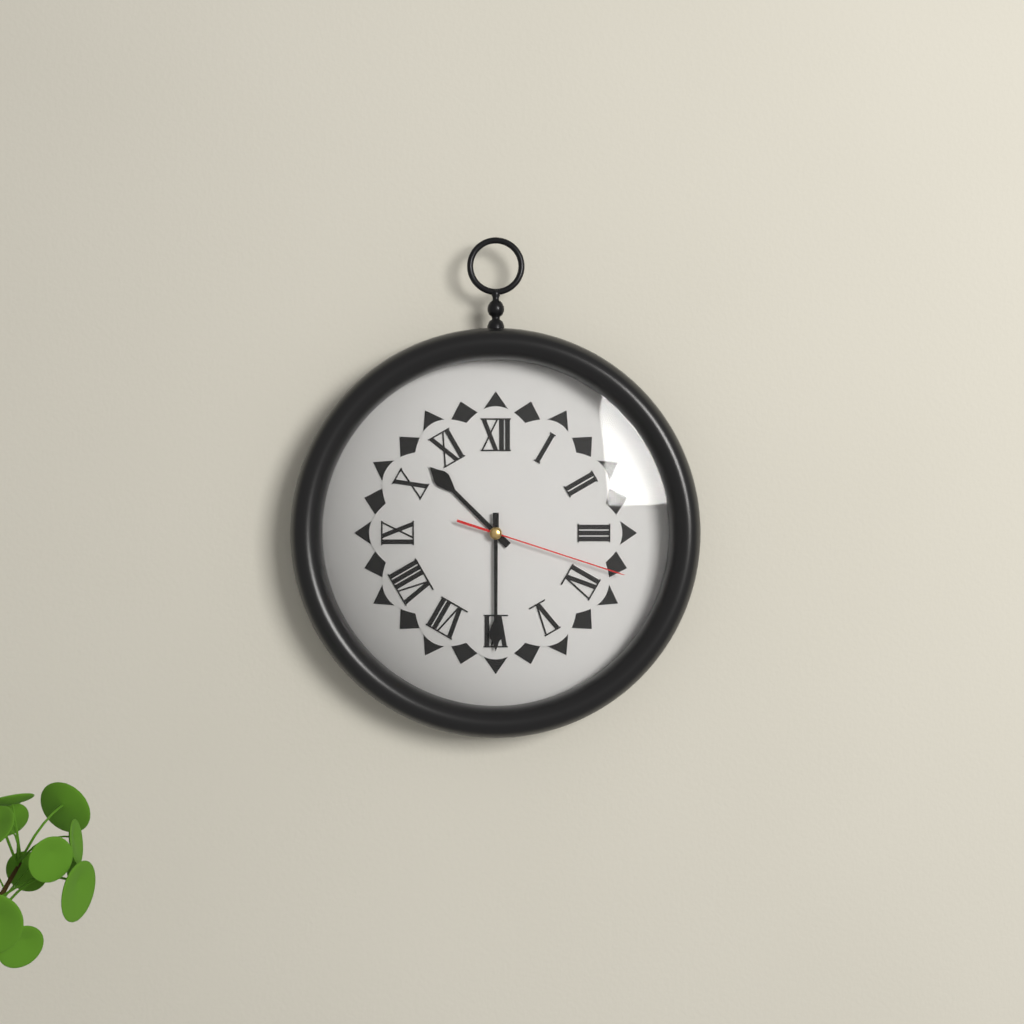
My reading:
**10:30:18**
